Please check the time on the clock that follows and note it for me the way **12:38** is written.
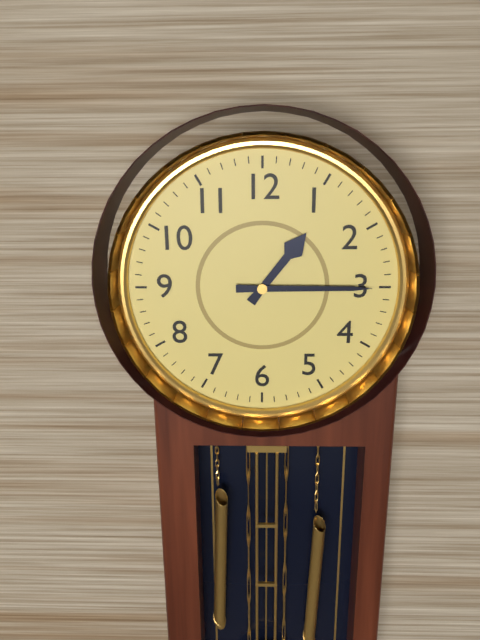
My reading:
**1:15**
